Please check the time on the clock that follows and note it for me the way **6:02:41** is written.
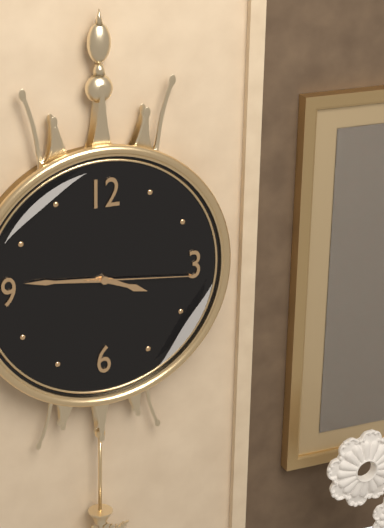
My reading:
**3:46:16**
